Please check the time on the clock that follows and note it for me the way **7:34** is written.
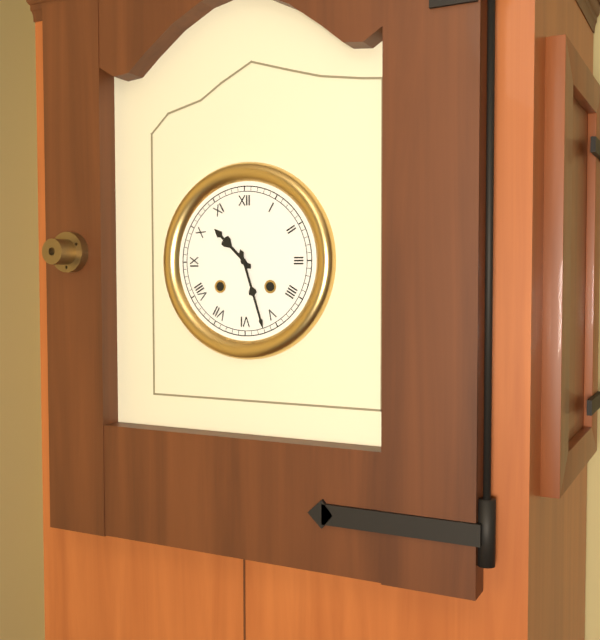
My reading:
**10:27**
